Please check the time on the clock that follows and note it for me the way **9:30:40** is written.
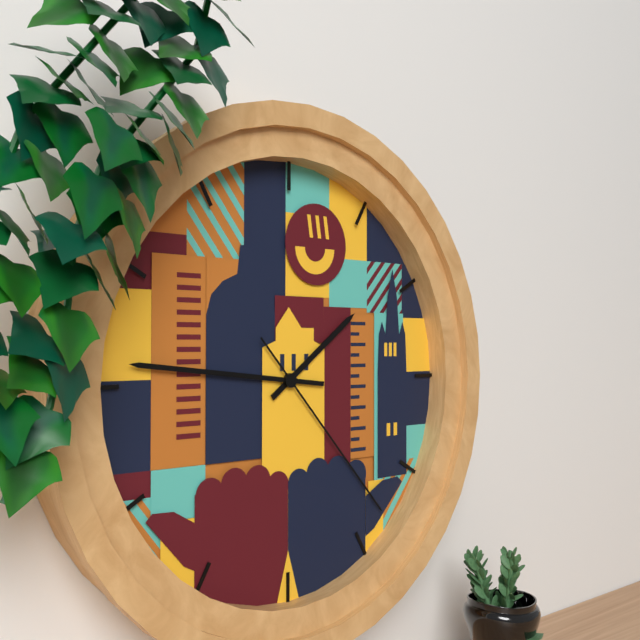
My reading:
**1:46:23**
